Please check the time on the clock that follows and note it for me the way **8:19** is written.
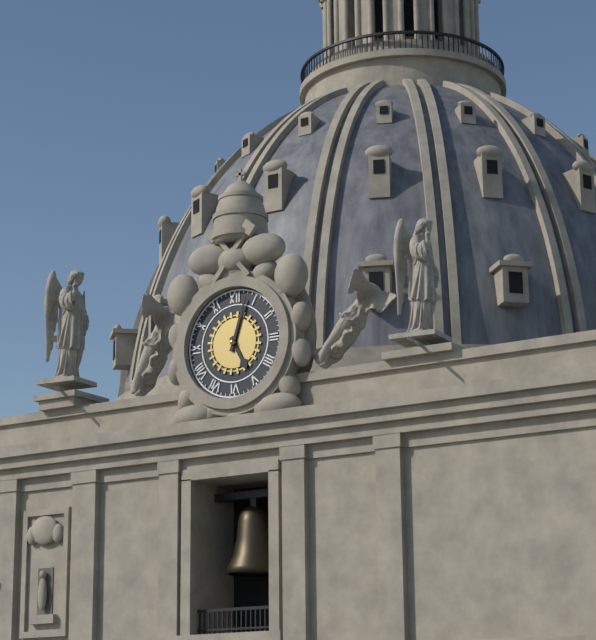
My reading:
**5:03**
